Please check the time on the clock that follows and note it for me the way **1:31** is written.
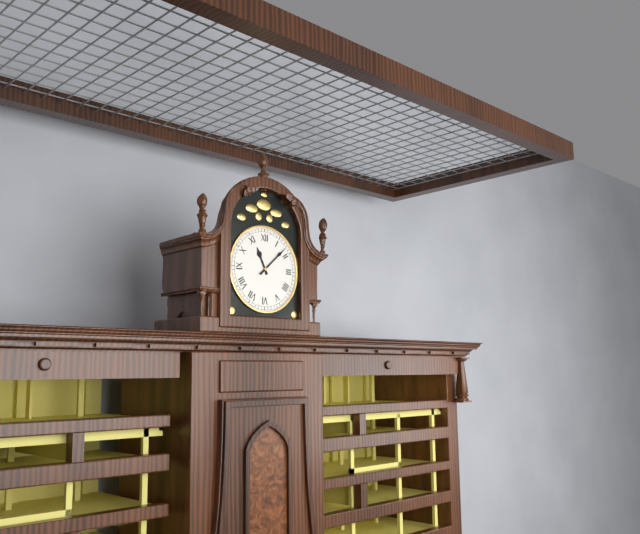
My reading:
**11:08**
